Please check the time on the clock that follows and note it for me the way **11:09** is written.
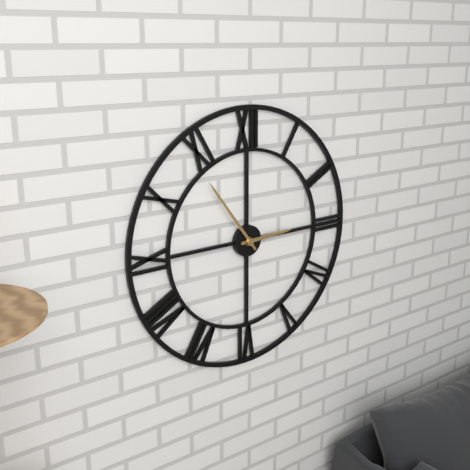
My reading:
**2:54**
